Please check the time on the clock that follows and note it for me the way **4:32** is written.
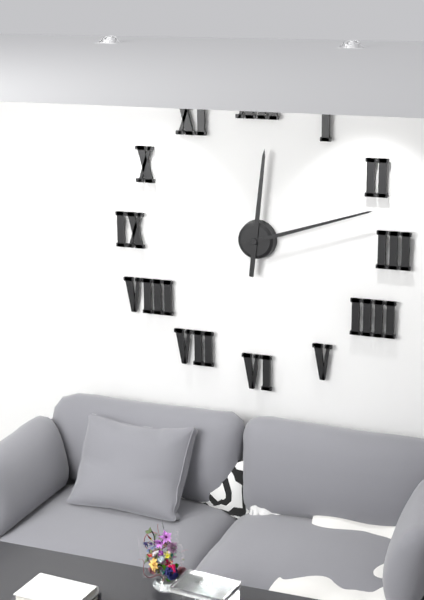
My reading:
**12:12**
